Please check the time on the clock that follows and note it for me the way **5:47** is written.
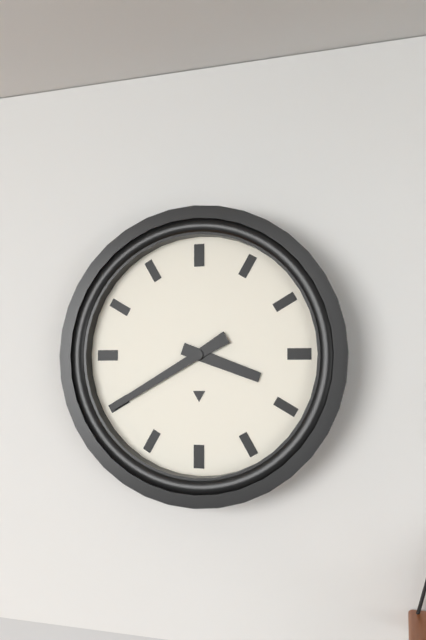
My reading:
**3:40**
